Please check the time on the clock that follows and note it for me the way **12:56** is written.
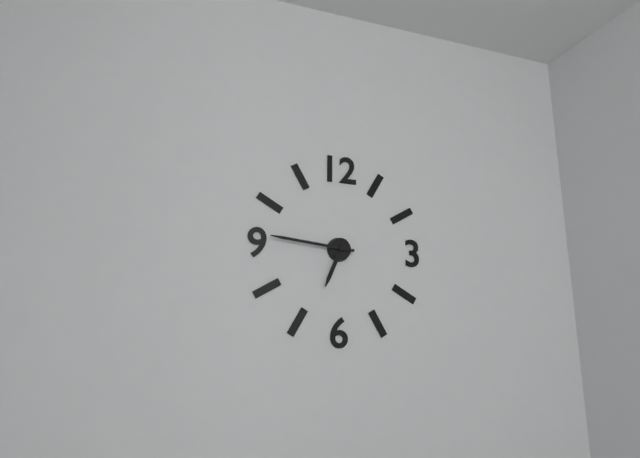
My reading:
**6:46**
